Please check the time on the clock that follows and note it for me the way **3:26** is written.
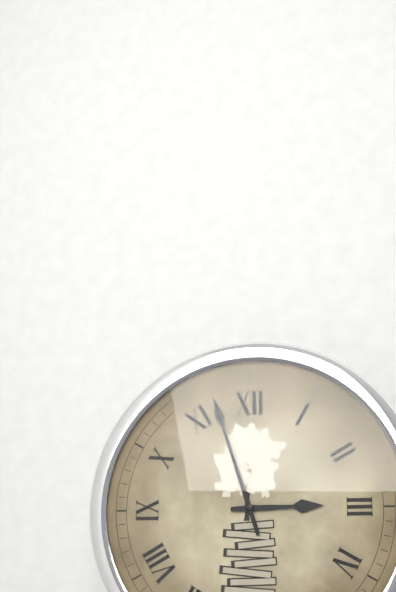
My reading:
**2:57**
